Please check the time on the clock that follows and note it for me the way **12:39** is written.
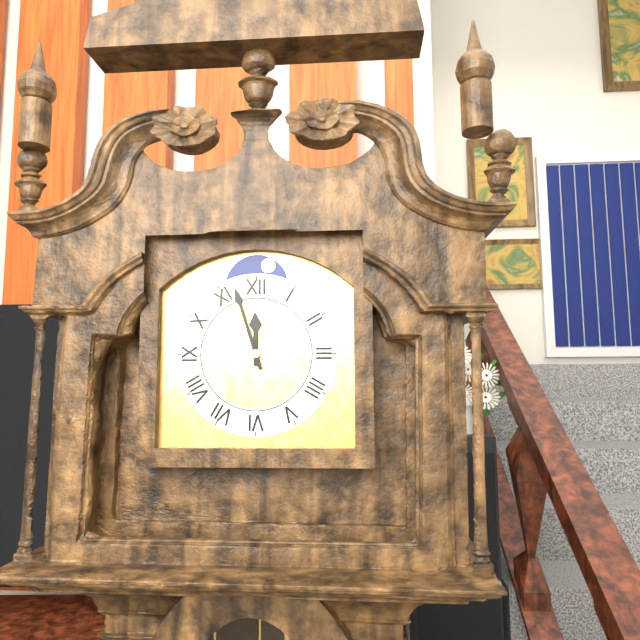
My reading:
**11:57**
